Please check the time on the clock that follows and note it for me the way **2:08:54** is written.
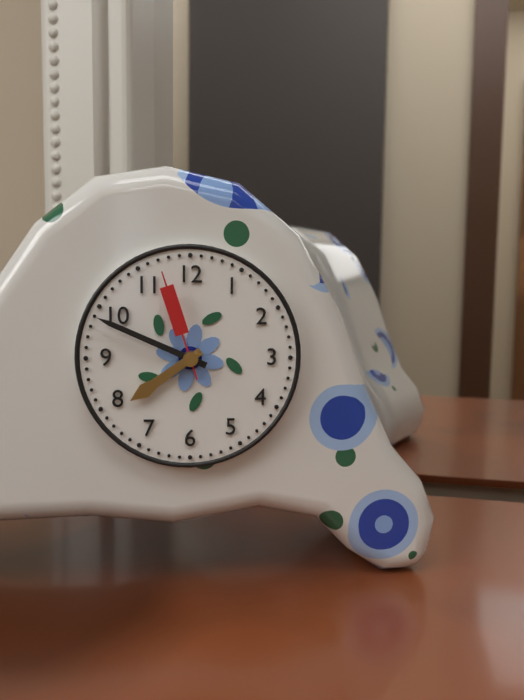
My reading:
**7:49:57**
